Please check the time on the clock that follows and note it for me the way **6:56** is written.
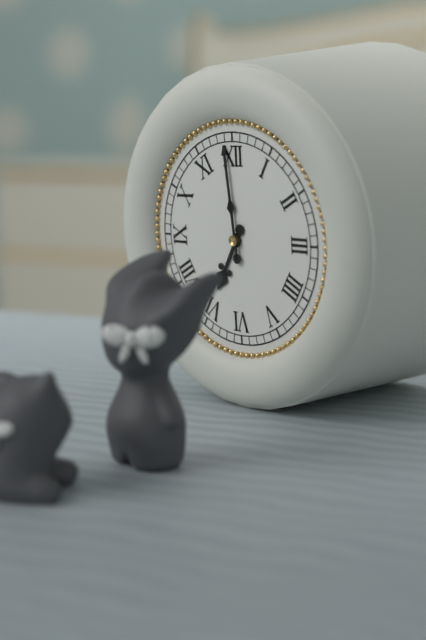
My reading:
**6:59**
